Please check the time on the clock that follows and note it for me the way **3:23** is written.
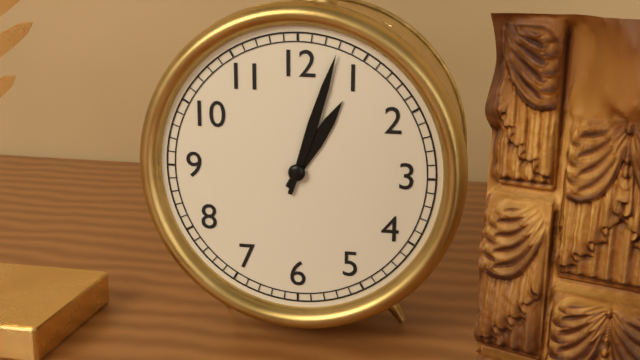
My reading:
**1:03**
